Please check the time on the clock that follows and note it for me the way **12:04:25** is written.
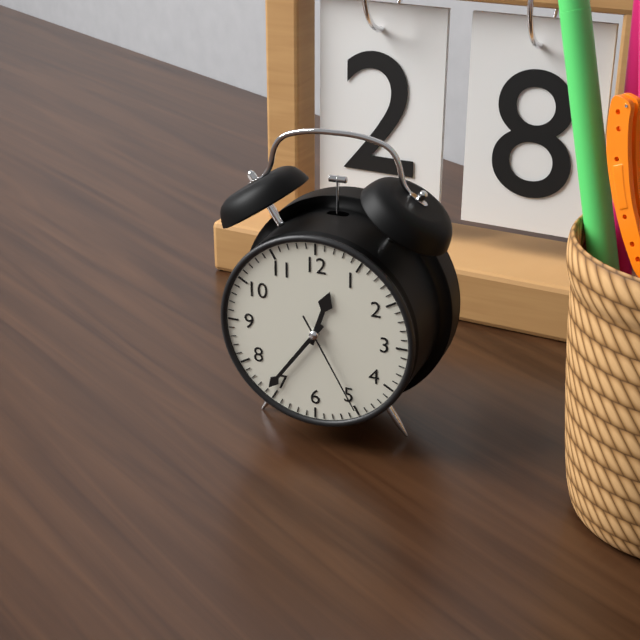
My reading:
**12:36:25**
